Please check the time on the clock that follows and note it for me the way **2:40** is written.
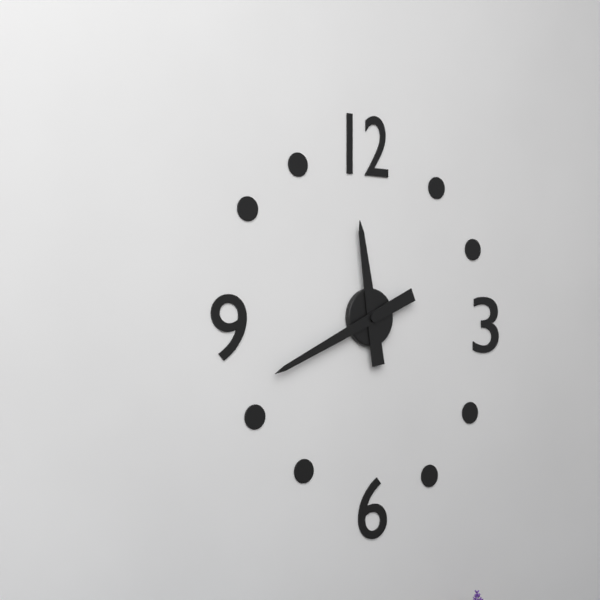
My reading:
**11:41**
